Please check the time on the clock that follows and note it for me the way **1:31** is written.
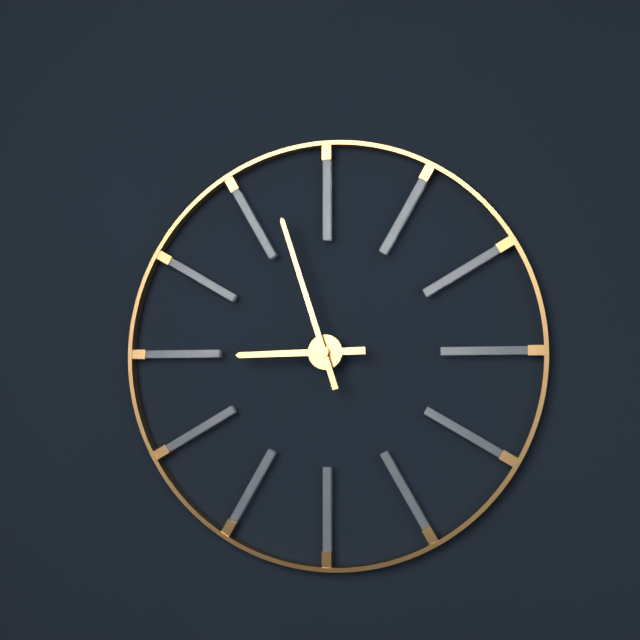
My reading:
**8:57**
